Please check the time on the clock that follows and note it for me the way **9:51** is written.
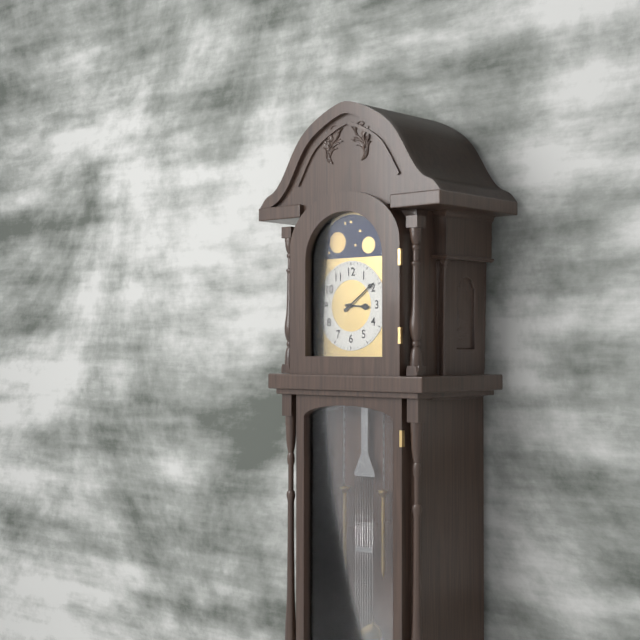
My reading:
**3:09**
